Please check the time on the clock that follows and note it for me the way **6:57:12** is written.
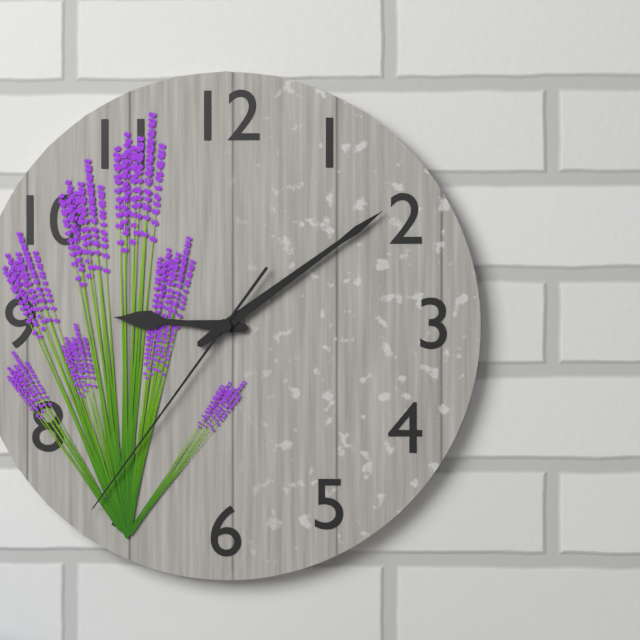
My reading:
**9:09:36**
